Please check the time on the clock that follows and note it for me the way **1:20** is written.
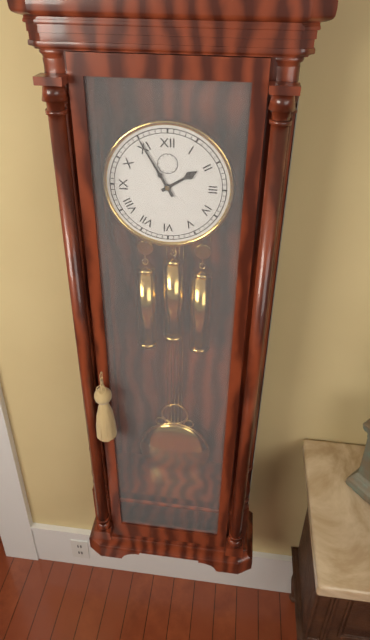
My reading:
**1:55**
